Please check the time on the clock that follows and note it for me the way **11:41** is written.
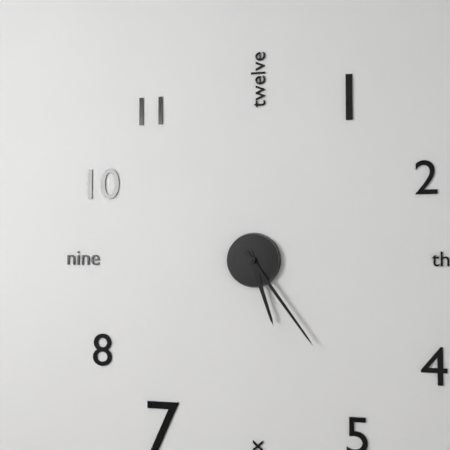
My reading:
**5:24**
